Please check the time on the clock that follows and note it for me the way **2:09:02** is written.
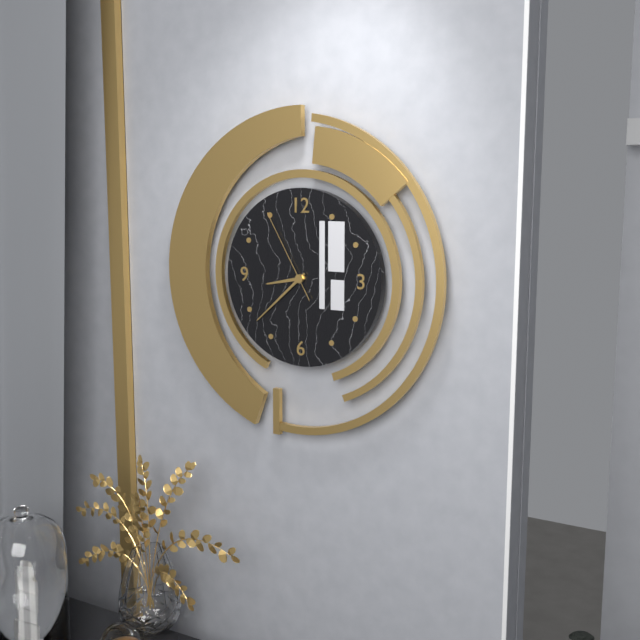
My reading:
**8:38:55**
